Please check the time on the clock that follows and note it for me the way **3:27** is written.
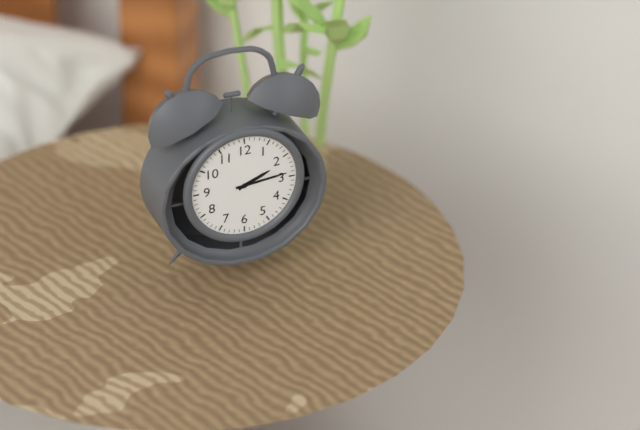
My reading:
**2:14**
